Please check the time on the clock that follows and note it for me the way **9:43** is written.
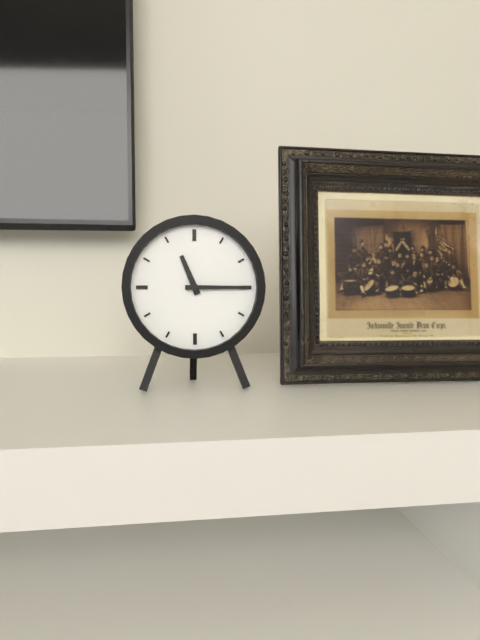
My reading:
**11:15**
